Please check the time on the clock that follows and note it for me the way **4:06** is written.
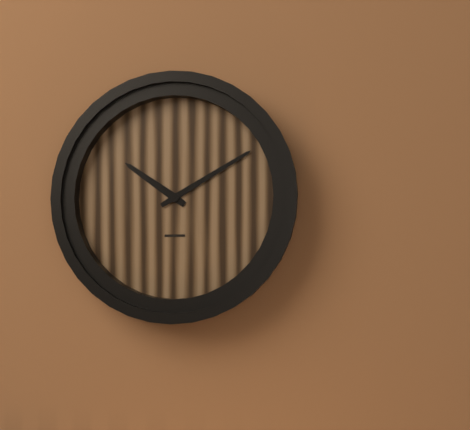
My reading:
**10:10**
